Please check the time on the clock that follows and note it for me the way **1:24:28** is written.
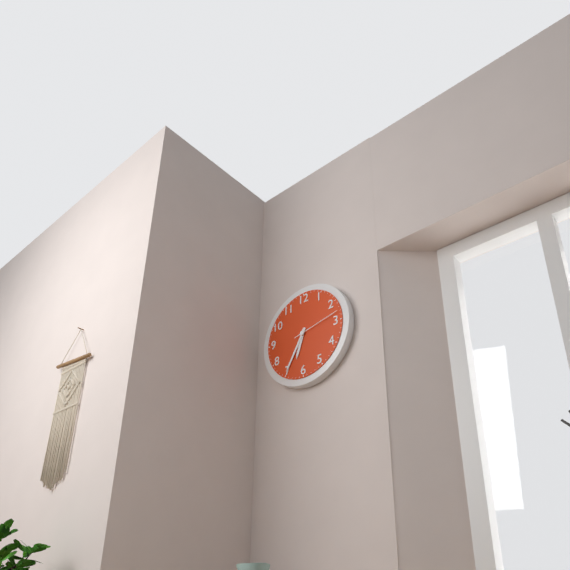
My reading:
**6:35:13**
